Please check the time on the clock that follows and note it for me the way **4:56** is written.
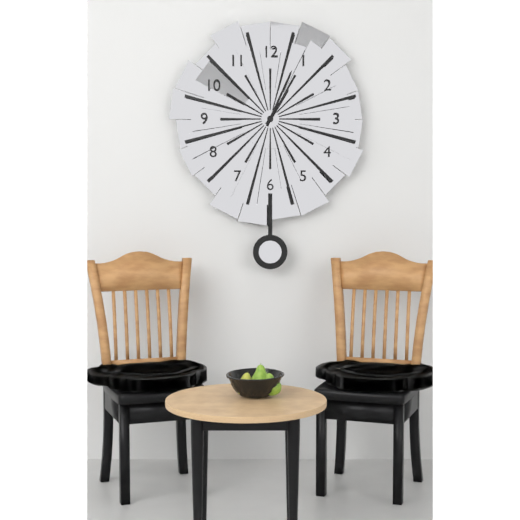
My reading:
**1:04**
